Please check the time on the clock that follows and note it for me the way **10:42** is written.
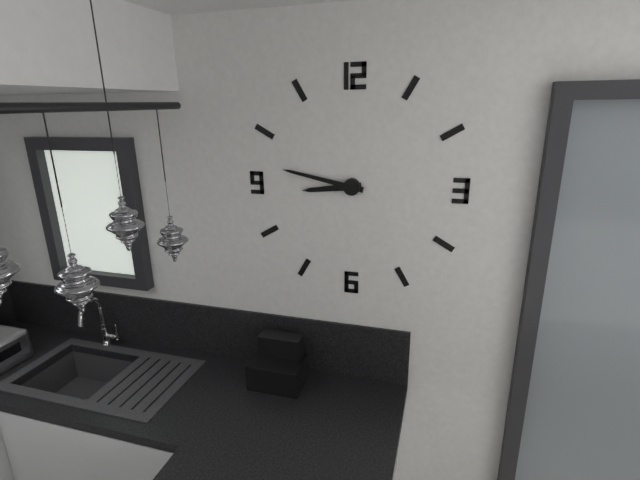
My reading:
**8:47**
